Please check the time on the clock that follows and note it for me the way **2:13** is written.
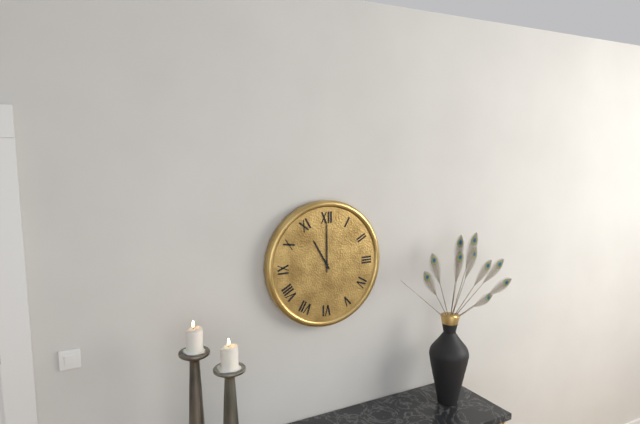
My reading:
**11:00**
